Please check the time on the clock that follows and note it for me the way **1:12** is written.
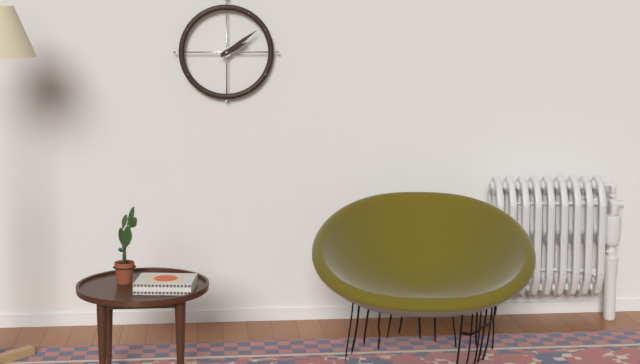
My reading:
**2:09**
